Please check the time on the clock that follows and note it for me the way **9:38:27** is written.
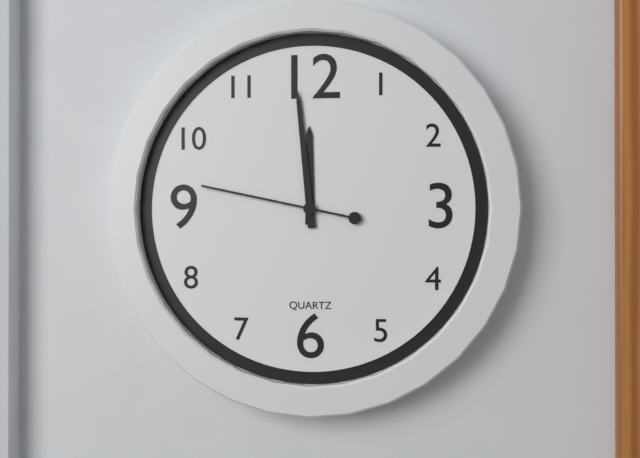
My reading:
**11:59:47**
